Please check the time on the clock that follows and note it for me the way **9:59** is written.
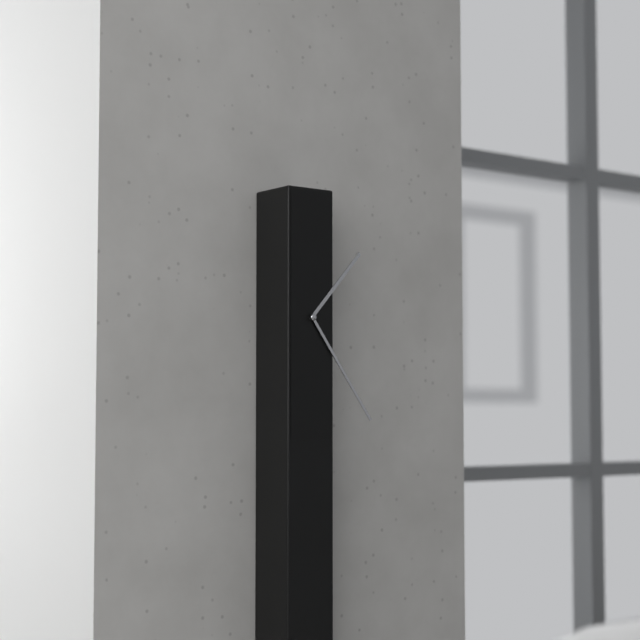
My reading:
**1:24**
